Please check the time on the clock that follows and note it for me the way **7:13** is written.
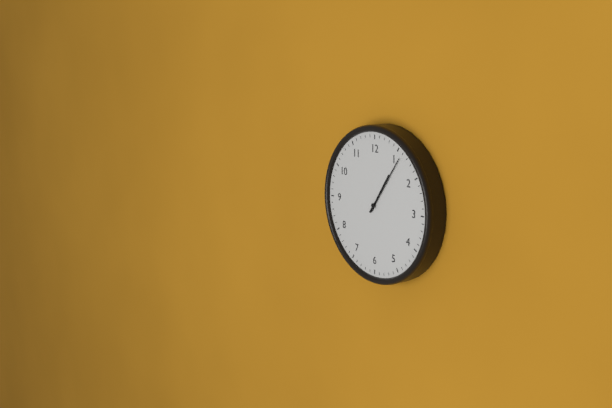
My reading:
**1:06**
